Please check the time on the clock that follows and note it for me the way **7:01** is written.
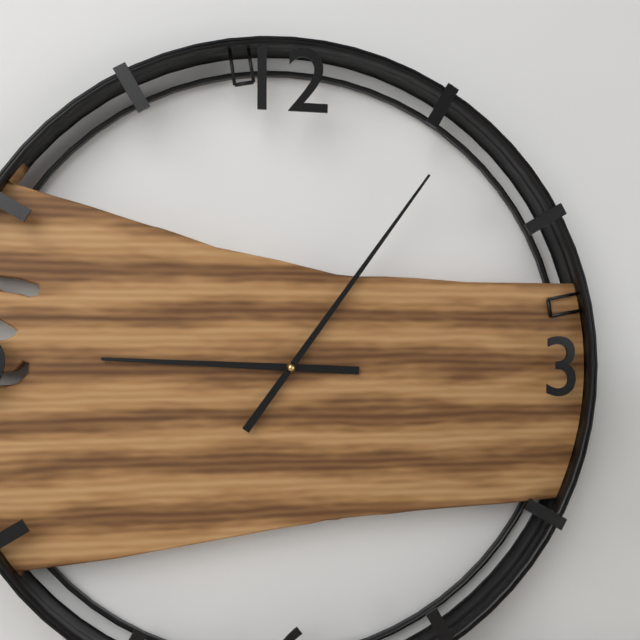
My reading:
**9:06**
